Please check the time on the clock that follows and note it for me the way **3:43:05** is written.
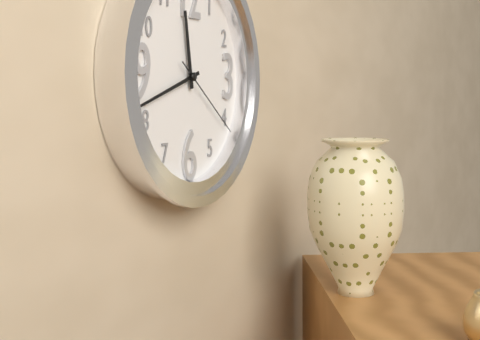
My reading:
**11:42:21**
